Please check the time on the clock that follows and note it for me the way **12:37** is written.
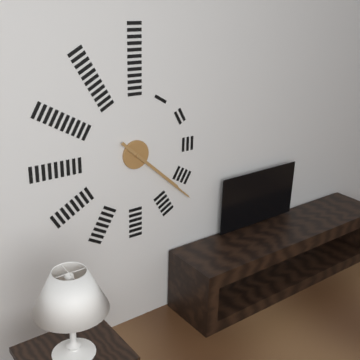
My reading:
**4:22**
